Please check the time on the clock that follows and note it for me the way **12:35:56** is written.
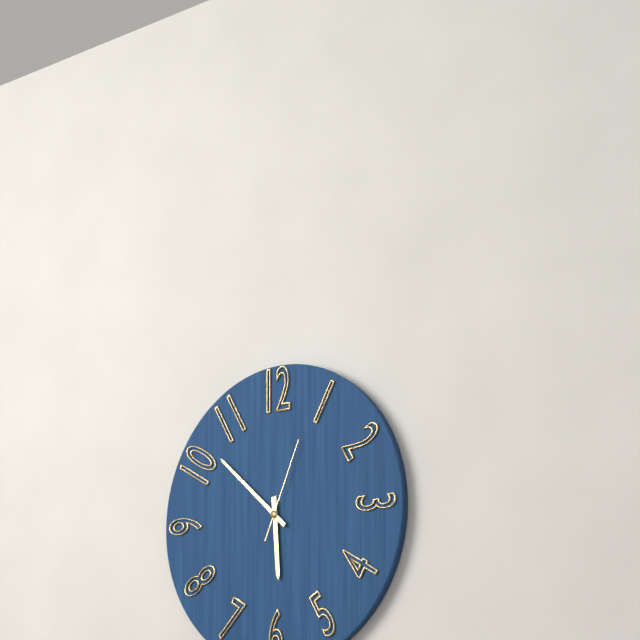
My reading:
**5:52:04**
